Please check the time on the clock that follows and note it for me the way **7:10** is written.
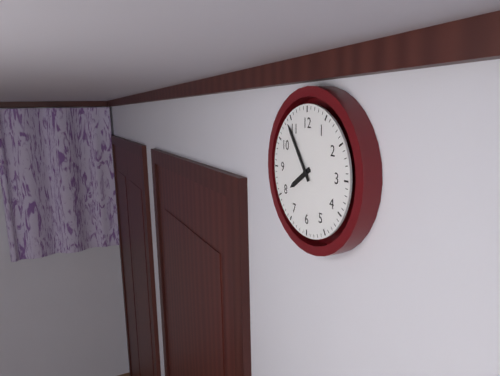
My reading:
**7:54**
